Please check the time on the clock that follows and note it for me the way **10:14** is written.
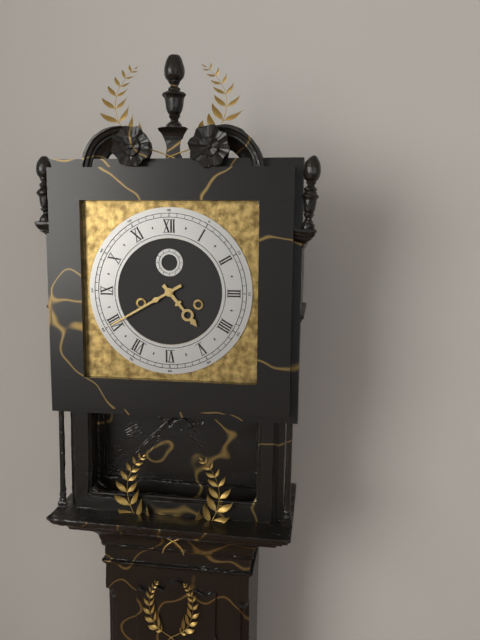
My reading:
**4:40**
